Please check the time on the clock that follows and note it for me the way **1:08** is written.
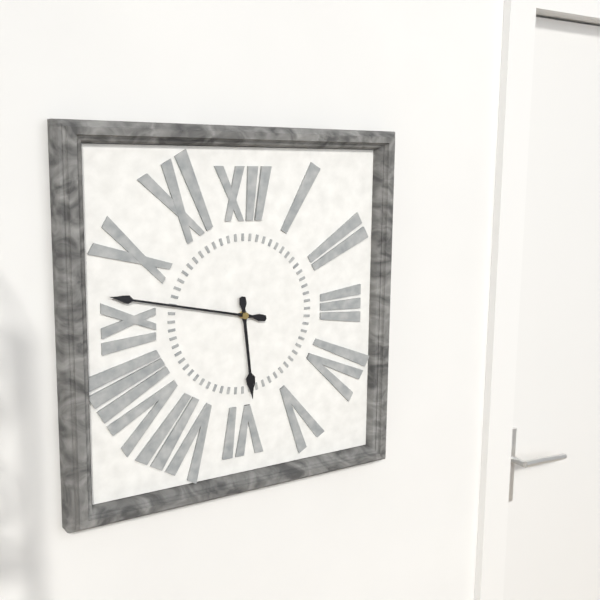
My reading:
**5:47**
